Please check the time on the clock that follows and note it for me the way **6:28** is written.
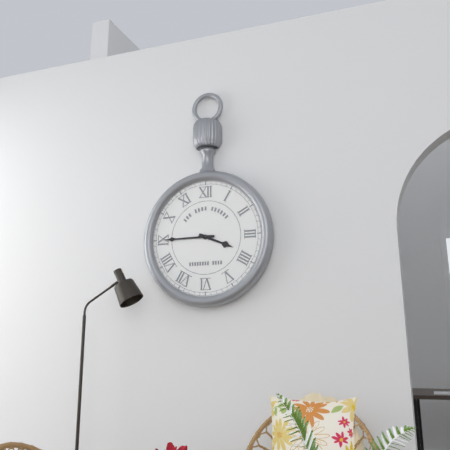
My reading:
**3:45**
